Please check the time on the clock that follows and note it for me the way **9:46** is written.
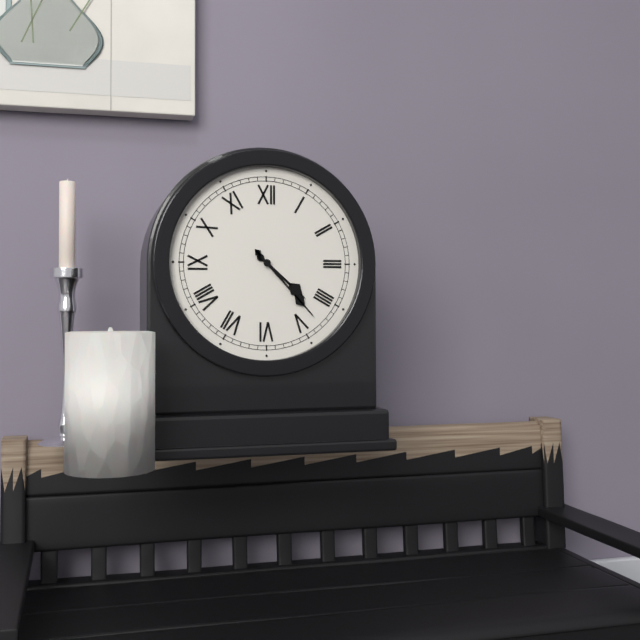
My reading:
**4:23**
